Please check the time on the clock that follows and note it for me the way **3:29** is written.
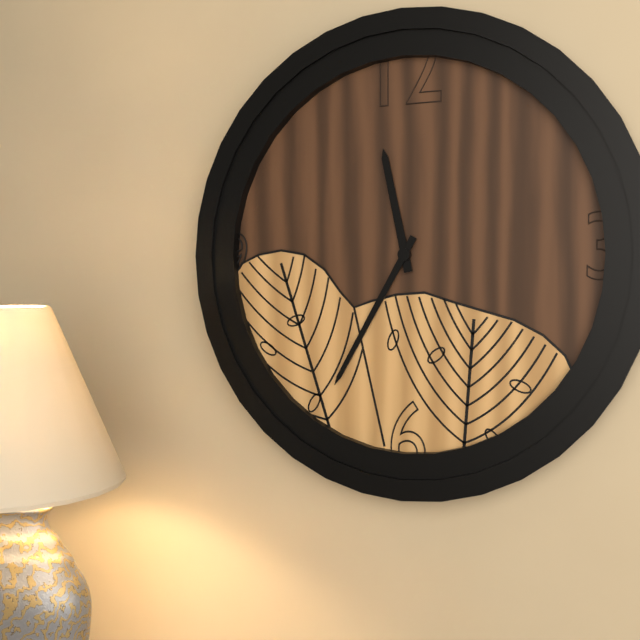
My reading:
**11:35**
